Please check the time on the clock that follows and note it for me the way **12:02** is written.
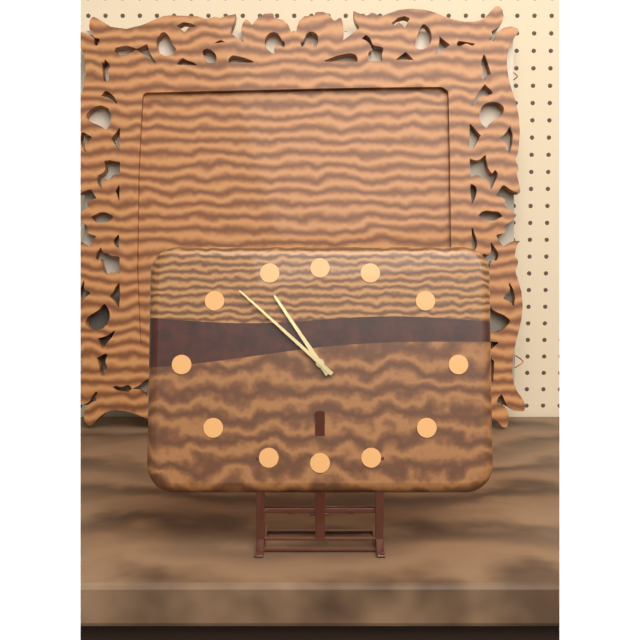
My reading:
**10:52**
